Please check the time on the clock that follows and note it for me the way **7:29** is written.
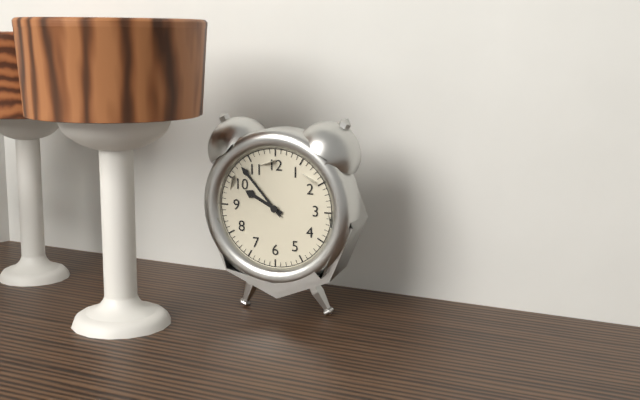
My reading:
**9:53**
